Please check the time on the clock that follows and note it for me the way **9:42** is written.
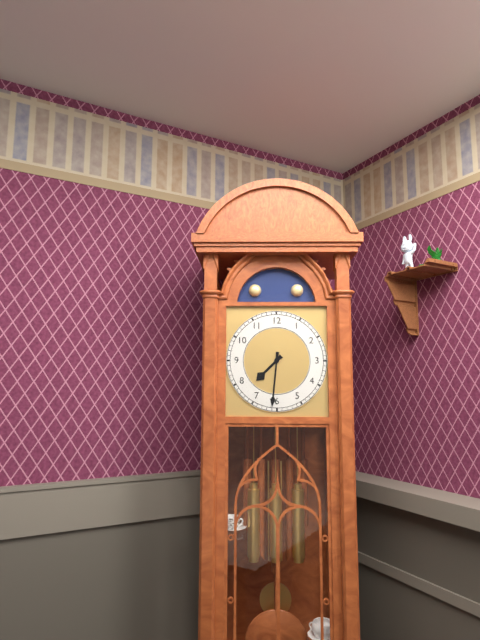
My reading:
**7:31**
